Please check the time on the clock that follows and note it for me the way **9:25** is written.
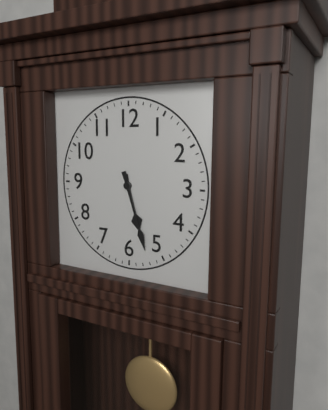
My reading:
**5:27**
